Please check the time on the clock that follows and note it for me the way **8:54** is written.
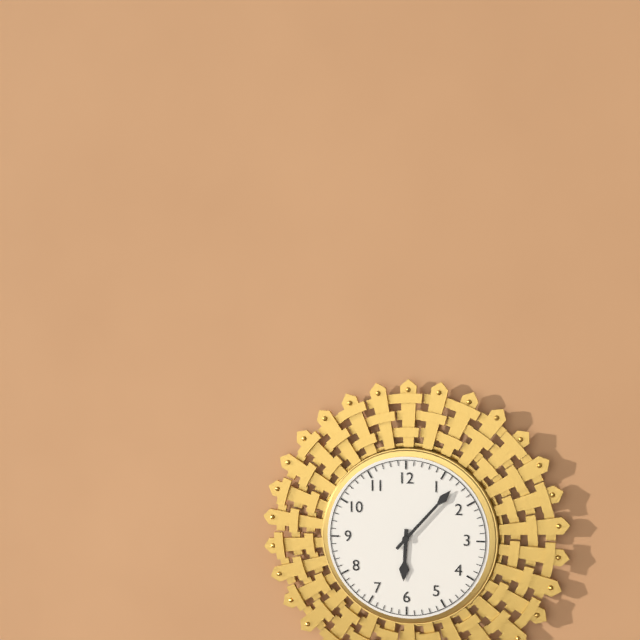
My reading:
**6:07**
